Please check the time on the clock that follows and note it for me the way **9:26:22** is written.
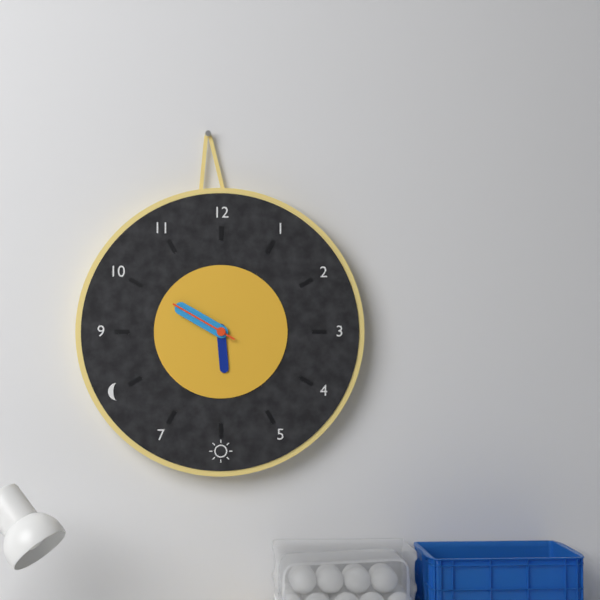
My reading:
**5:50:50**
